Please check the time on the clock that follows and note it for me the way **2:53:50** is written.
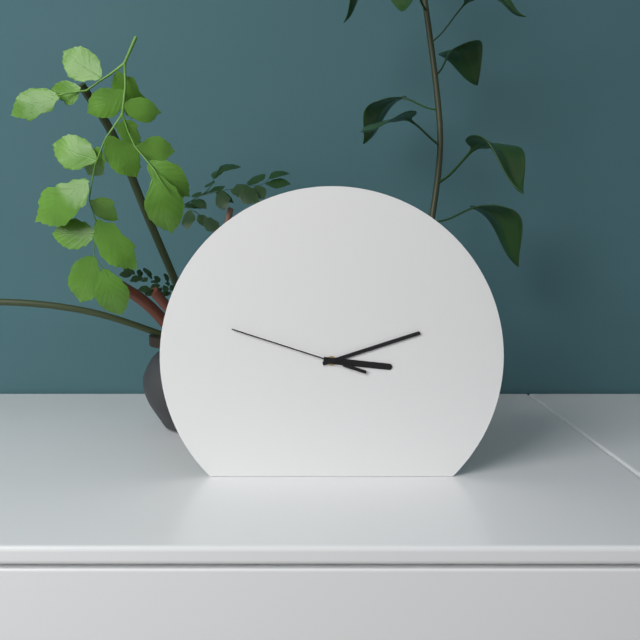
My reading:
**3:12:48**
